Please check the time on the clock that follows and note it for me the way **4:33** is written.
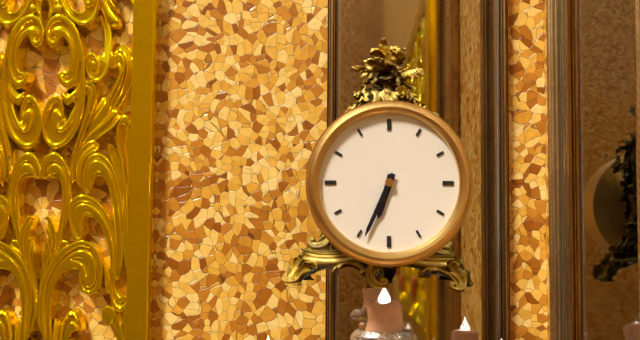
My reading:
**6:34**
